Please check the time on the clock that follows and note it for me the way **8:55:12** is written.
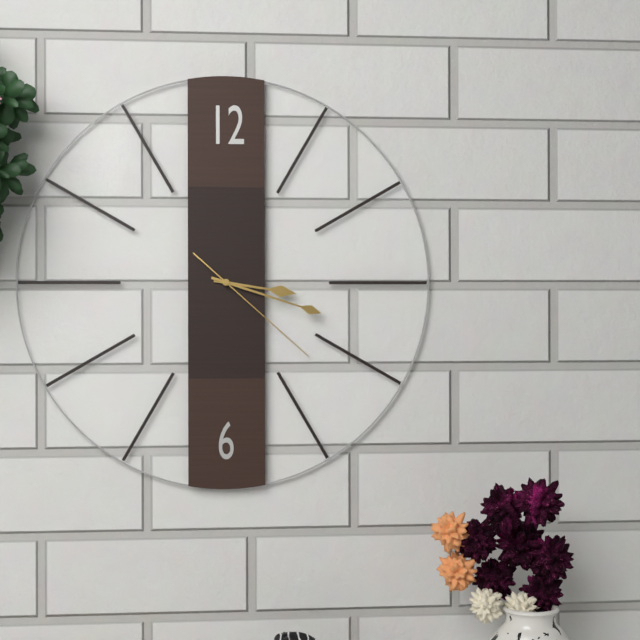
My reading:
**3:18:22**
